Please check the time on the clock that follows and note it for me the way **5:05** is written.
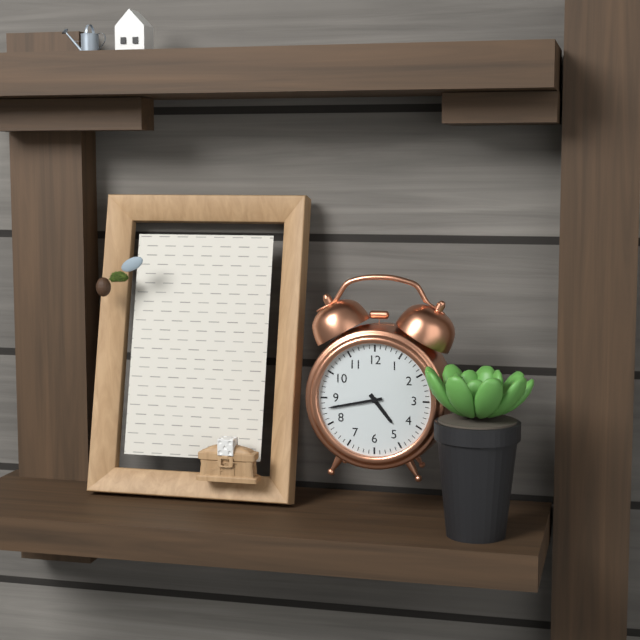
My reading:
**4:43**
